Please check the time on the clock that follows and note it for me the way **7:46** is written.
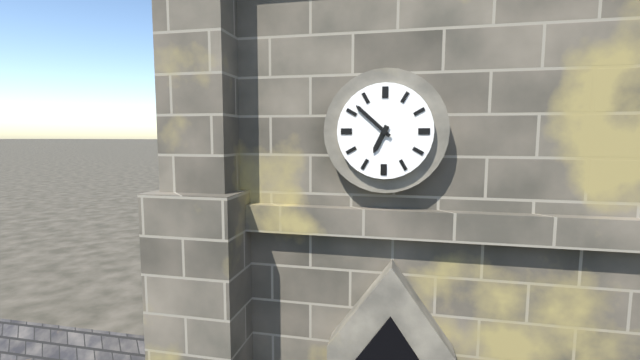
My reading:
**6:52**
